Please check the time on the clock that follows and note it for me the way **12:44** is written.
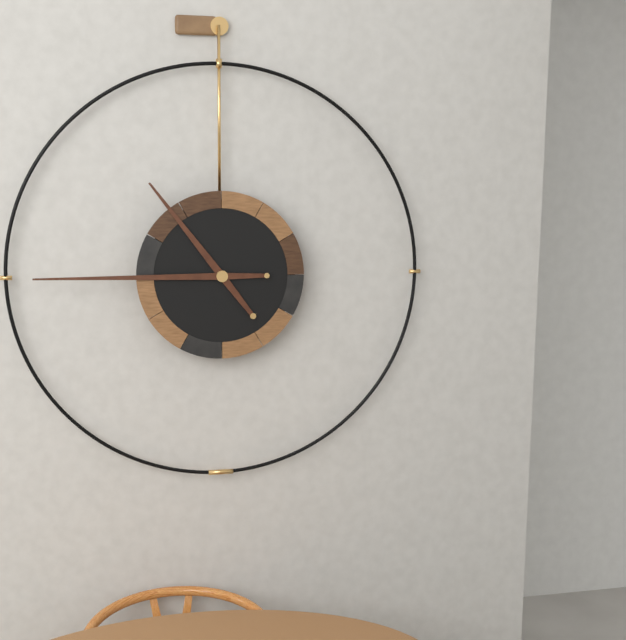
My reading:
**10:45**
